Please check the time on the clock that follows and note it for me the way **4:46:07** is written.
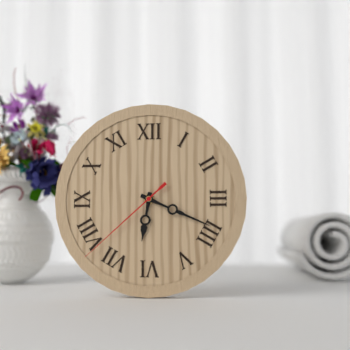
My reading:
**6:19:38**
